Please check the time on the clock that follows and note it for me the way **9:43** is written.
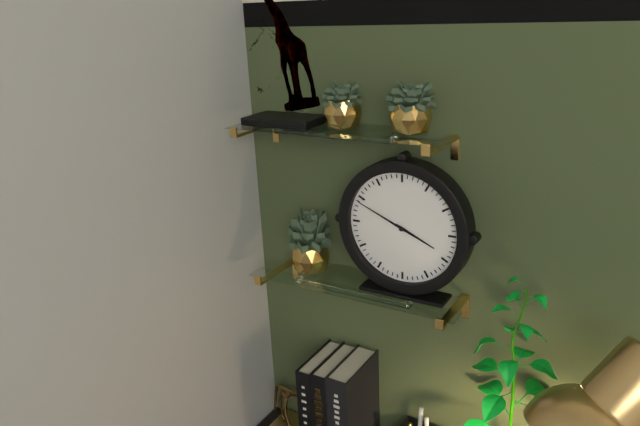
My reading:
**3:49**
